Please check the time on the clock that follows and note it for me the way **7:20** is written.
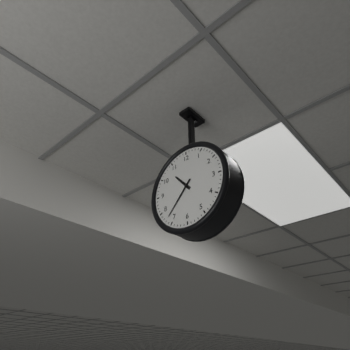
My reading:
**10:37**
